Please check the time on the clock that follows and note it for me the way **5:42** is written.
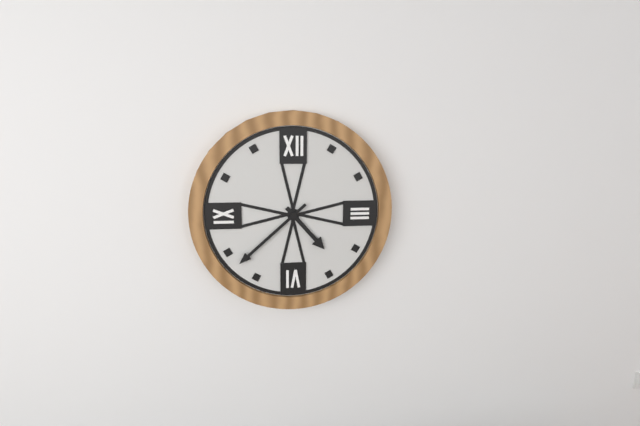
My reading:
**4:38**
